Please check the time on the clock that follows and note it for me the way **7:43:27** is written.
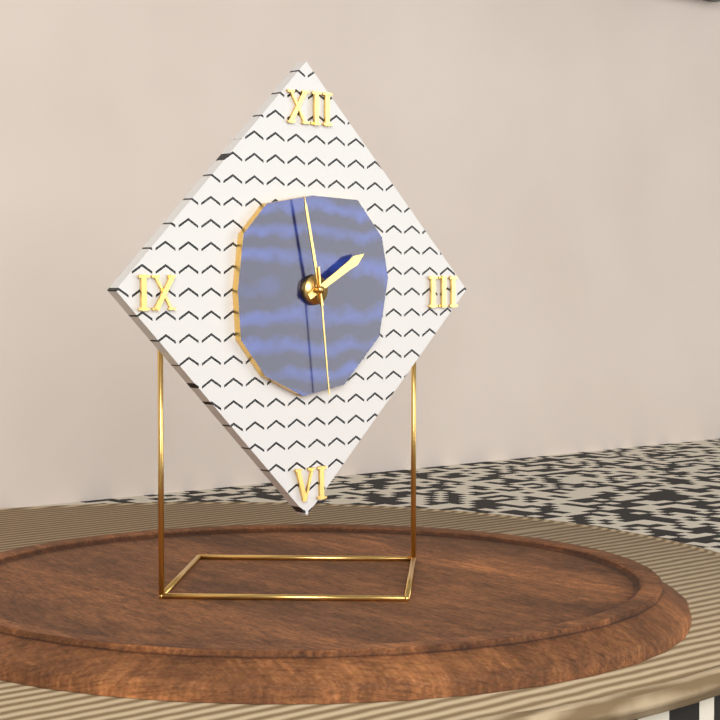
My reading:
**1:58:29**
